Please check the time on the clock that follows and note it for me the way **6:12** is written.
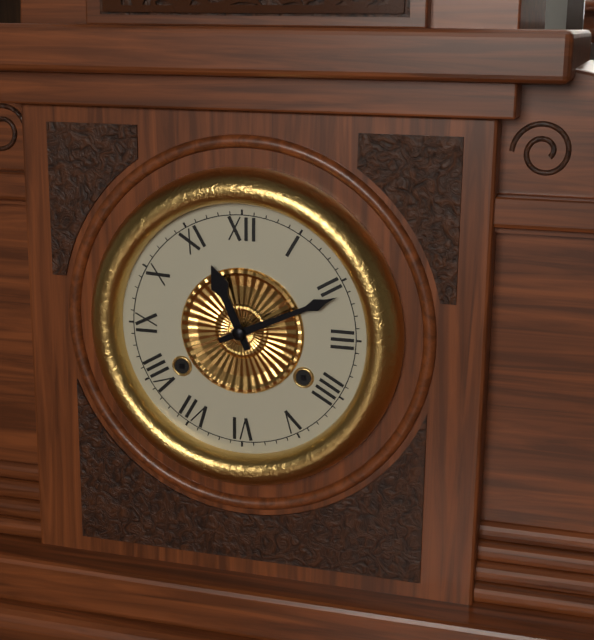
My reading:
**11:11**
